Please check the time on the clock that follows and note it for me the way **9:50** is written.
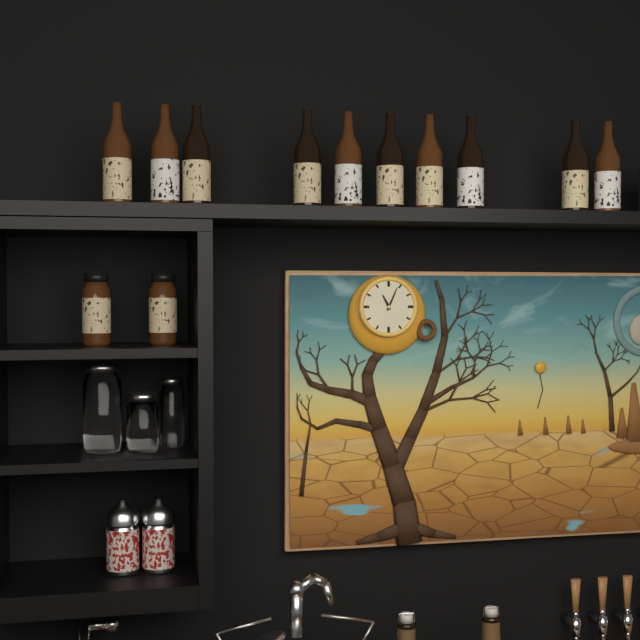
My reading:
**11:04**
